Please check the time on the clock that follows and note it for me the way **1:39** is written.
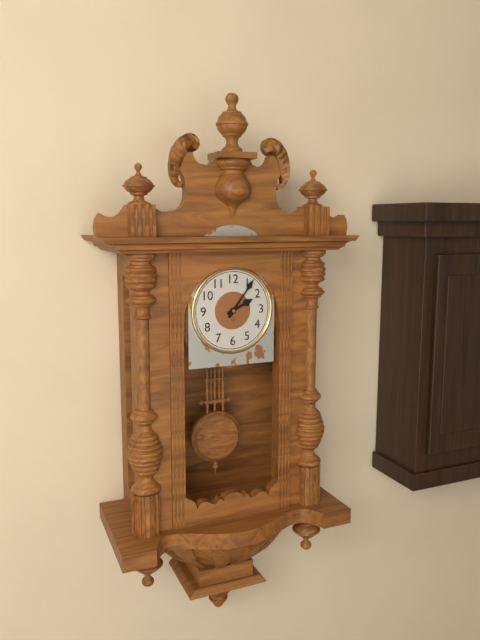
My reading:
**2:06**
